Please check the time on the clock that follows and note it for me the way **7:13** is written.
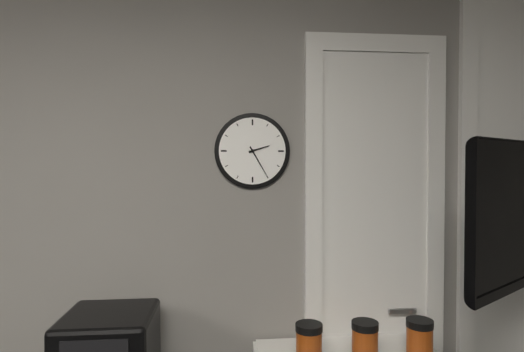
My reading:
**2:25**
